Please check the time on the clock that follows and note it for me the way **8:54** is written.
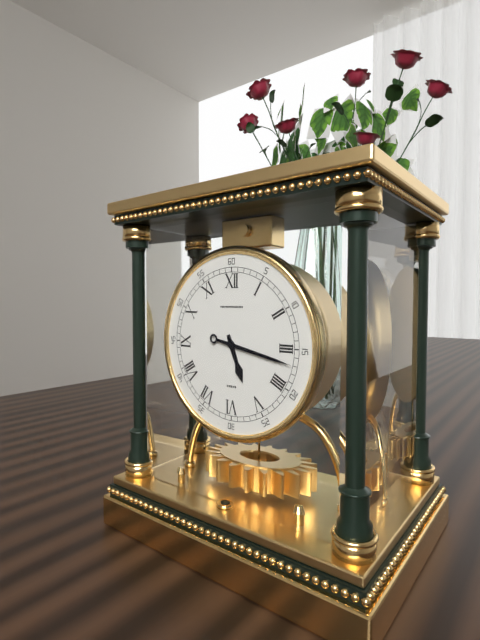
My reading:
**5:17**
